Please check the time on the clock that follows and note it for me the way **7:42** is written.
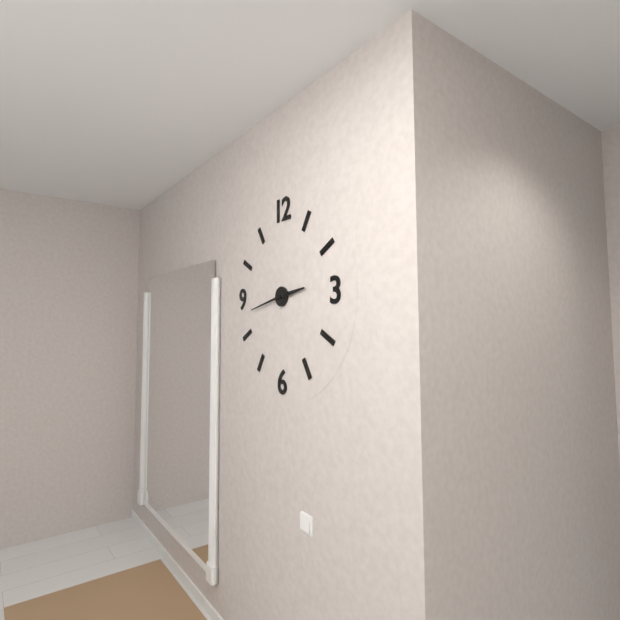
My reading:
**2:43**
